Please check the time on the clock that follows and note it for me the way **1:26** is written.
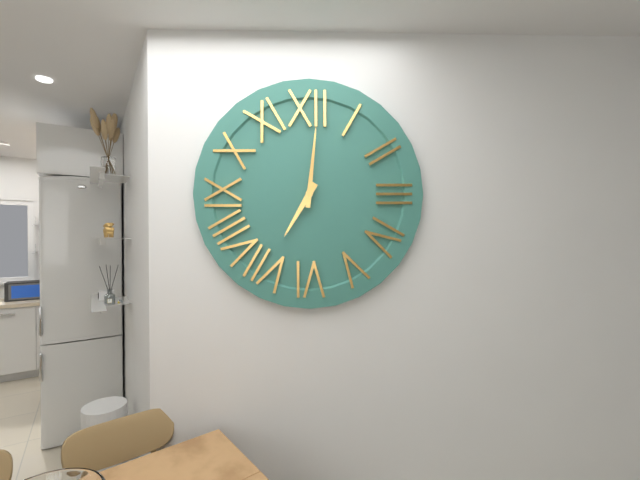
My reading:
**7:01**
